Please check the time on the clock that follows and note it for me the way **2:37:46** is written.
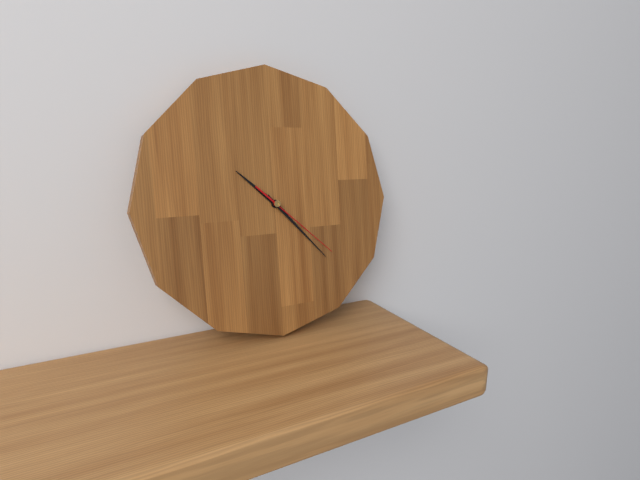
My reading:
**10:23:22**
